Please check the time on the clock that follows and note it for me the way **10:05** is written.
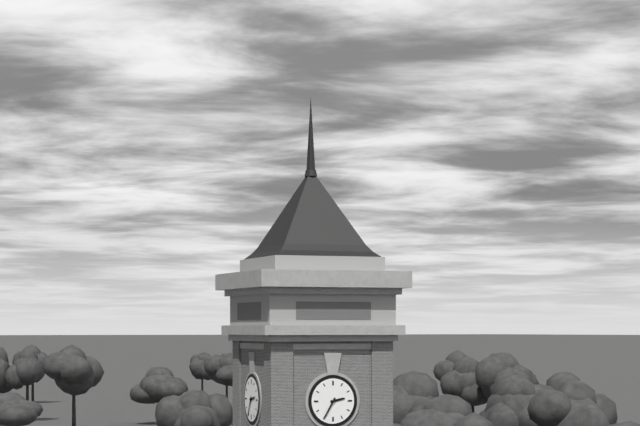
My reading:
**2:35**
